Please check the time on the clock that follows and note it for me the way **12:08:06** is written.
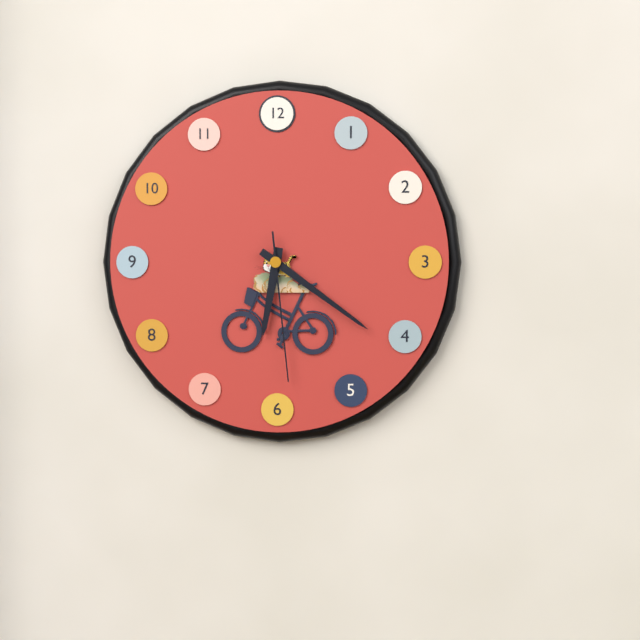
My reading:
**6:21:29**
